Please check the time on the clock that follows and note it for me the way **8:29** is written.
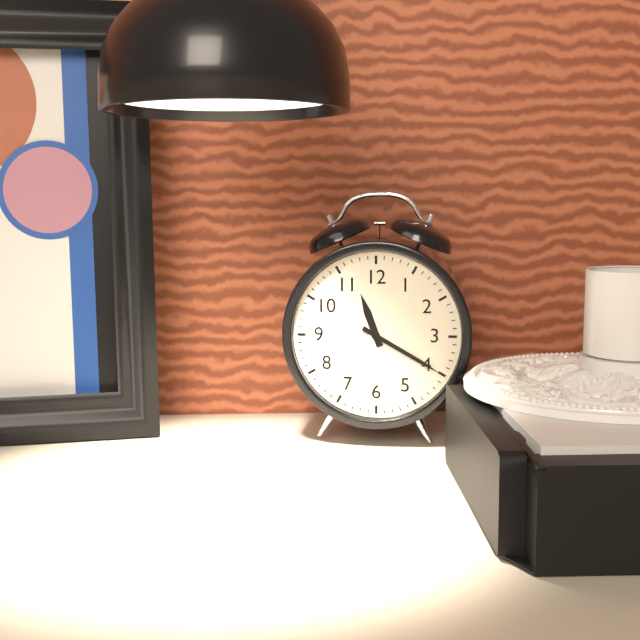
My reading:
**11:20**
